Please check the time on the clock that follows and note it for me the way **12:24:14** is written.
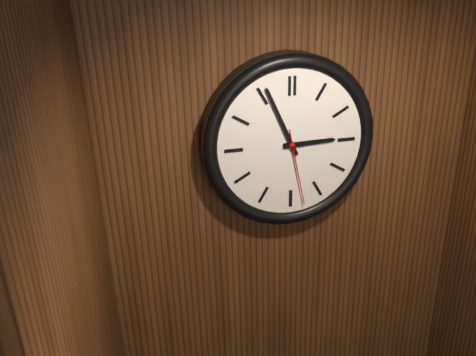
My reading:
**2:56:28**
